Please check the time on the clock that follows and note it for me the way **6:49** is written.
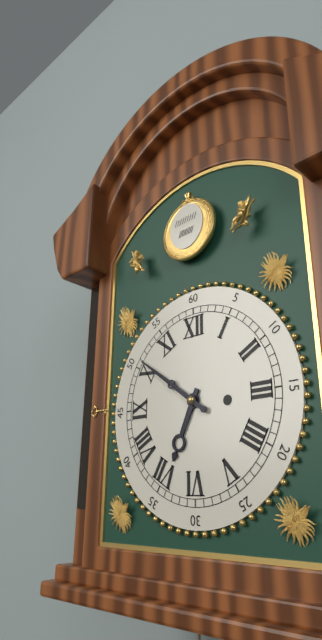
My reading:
**6:51**
